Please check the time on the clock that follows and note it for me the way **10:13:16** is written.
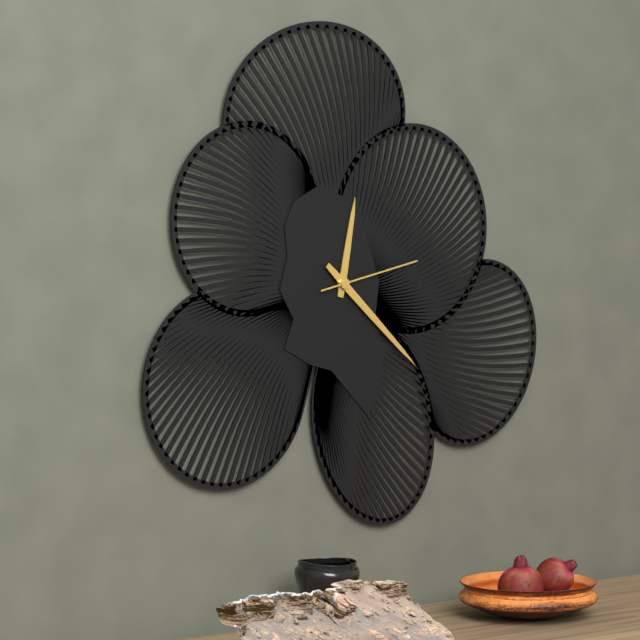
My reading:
**12:22:13**
